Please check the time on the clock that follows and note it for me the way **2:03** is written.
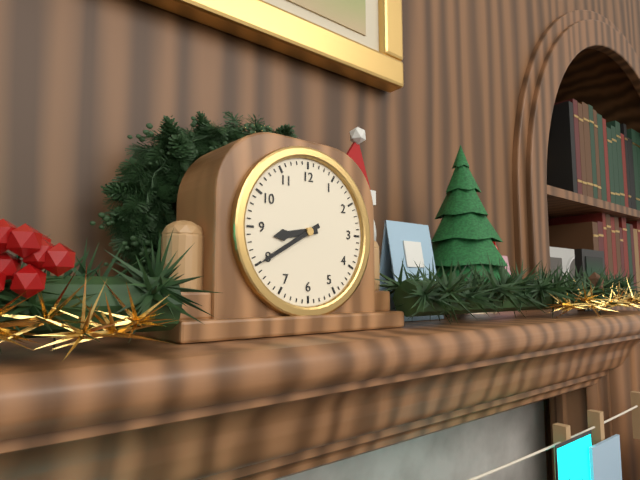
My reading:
**8:40**
